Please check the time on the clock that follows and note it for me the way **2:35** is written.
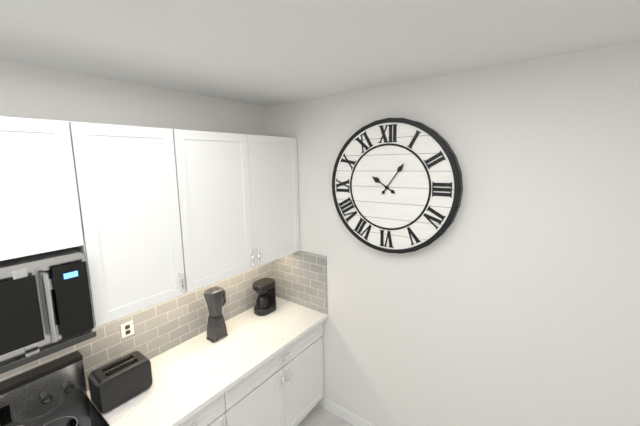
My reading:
**10:06**
